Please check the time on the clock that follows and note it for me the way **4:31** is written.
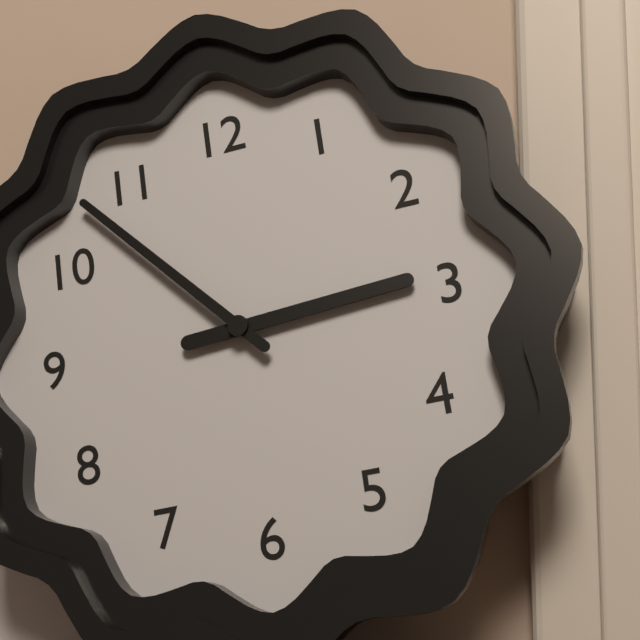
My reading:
**2:53**
